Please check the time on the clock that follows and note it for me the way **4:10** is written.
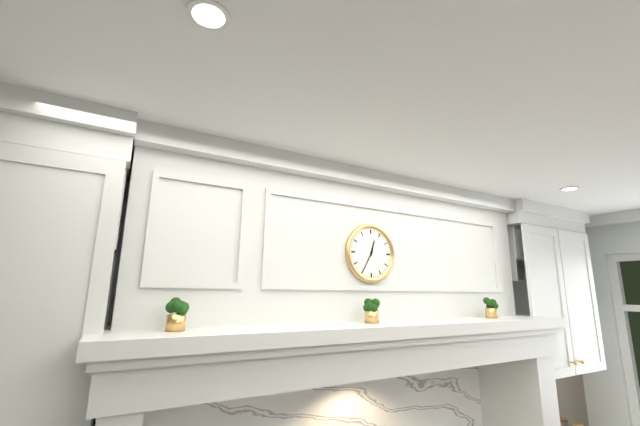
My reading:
**12:35**
